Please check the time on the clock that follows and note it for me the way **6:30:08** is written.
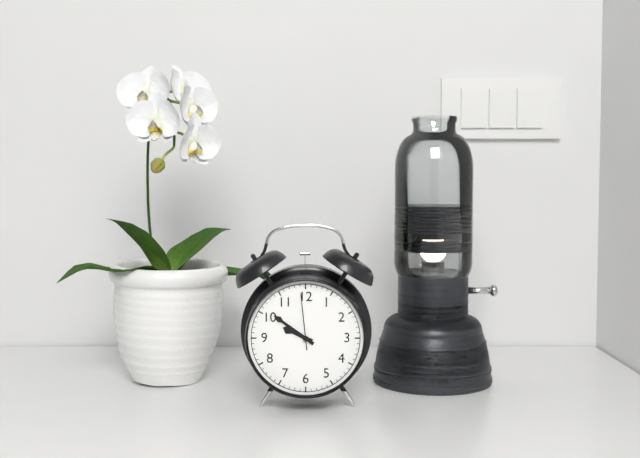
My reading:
**9:51:59**
